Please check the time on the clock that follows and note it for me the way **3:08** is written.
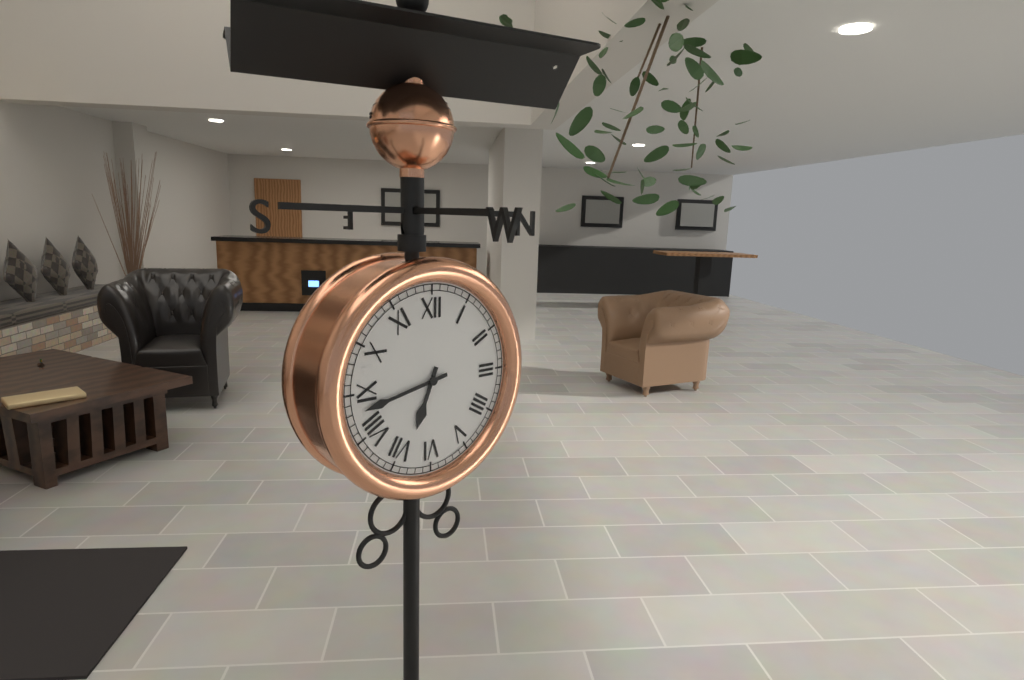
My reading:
**6:43**
